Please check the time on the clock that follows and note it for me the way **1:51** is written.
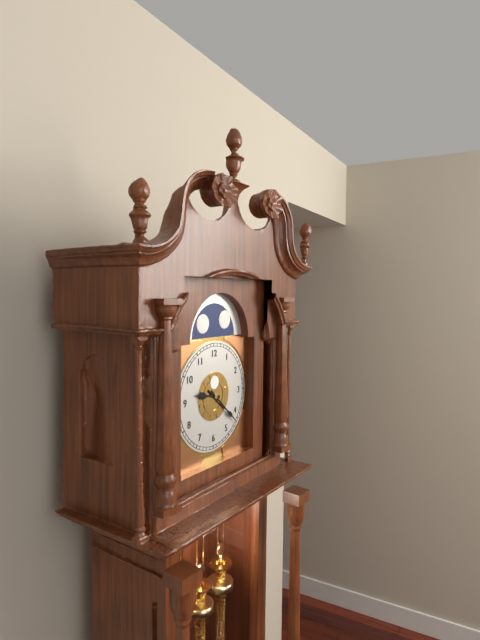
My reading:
**9:22**
